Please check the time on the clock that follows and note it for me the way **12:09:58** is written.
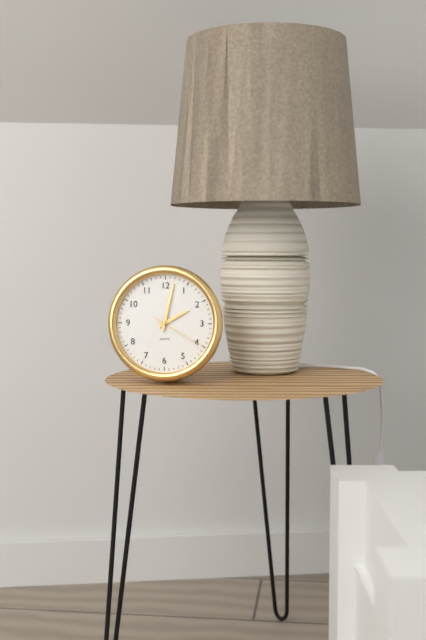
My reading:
**2:02:20**
